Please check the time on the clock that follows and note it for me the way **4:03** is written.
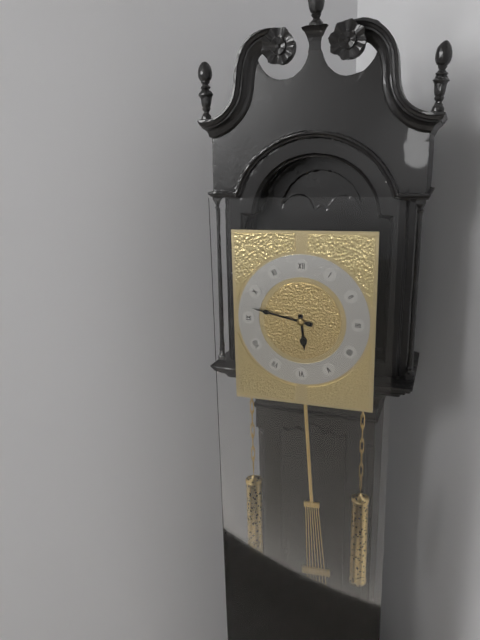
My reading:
**5:47**
